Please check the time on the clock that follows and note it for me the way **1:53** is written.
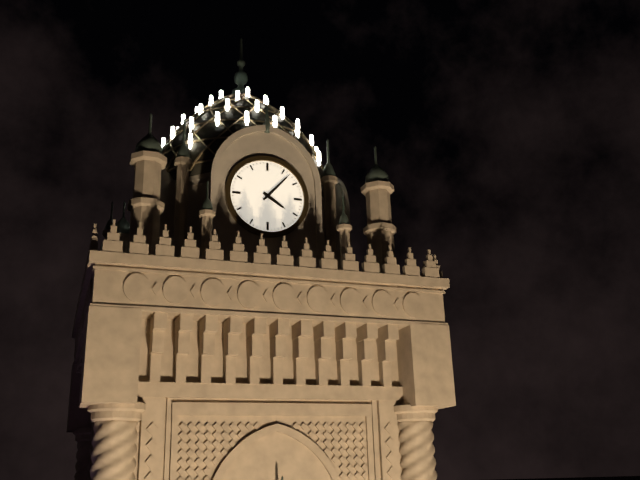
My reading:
**4:07**
